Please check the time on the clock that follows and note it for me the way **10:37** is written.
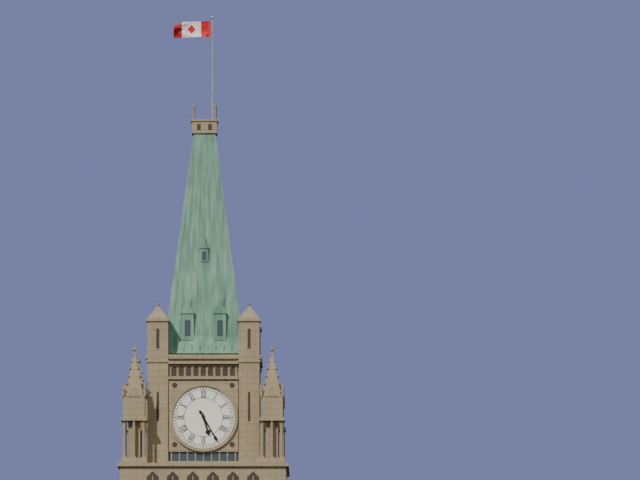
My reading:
**5:25**
